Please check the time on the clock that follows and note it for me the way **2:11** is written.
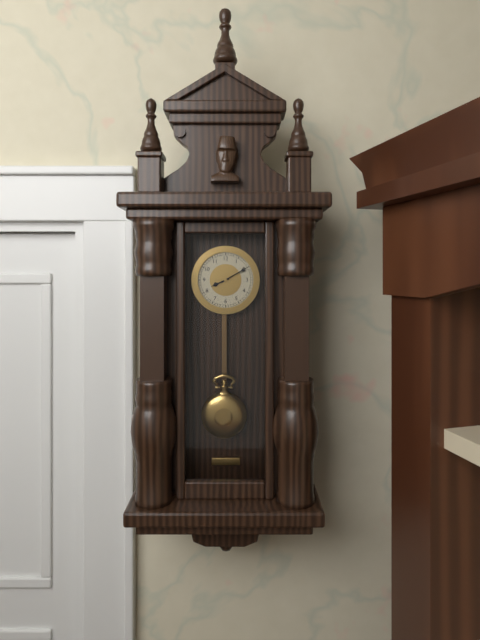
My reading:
**8:10**
